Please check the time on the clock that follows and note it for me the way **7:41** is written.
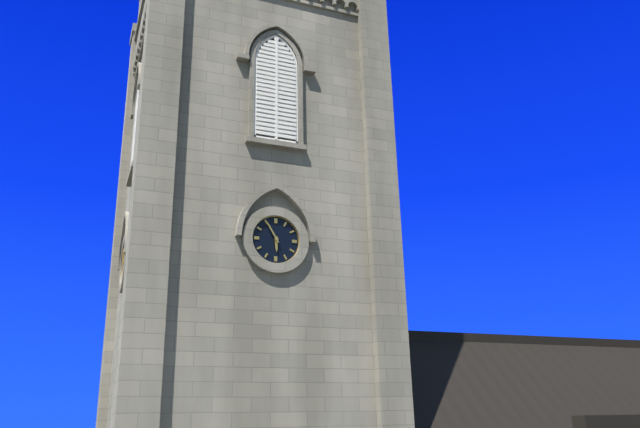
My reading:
**5:55**
